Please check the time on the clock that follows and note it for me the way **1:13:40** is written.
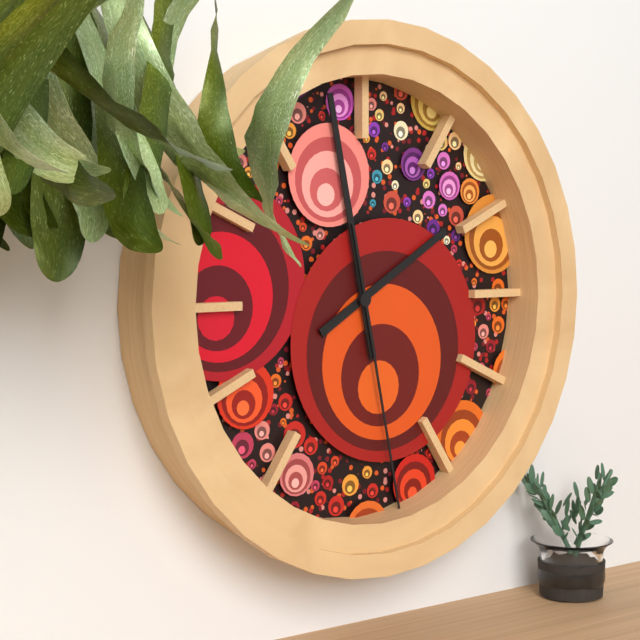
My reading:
**1:58:28**
